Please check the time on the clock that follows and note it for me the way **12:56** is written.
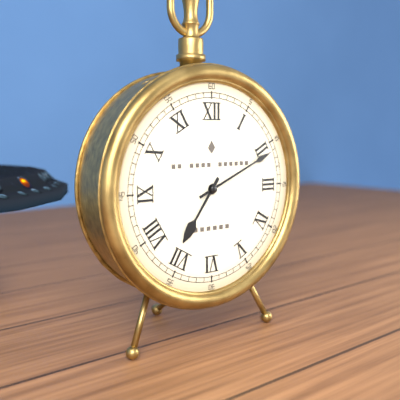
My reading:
**7:11**
